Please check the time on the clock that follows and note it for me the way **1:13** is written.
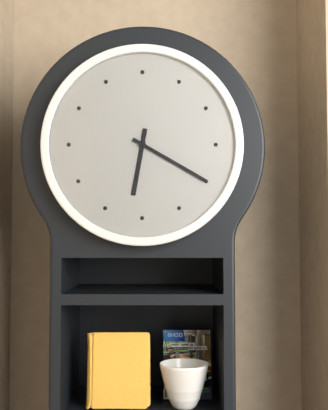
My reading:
**6:20**
